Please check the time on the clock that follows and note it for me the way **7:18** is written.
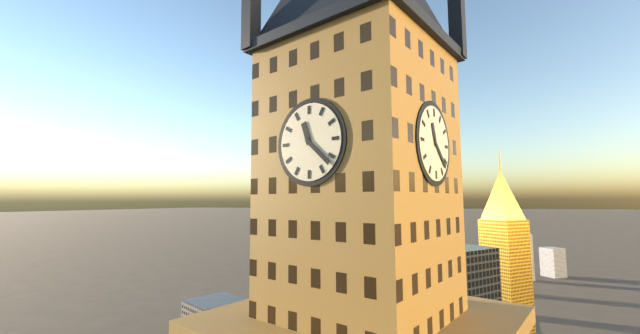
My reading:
**11:22**
